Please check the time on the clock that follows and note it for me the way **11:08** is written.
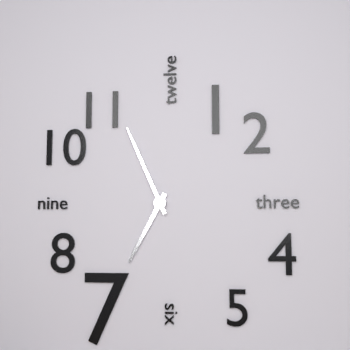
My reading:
**6:56**
